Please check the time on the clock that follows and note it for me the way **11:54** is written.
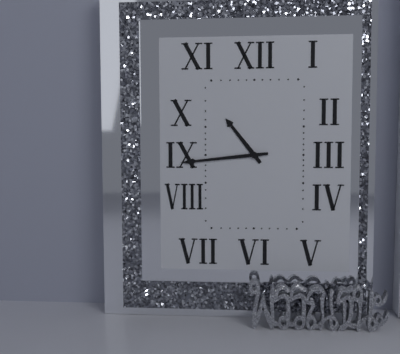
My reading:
**10:44**
